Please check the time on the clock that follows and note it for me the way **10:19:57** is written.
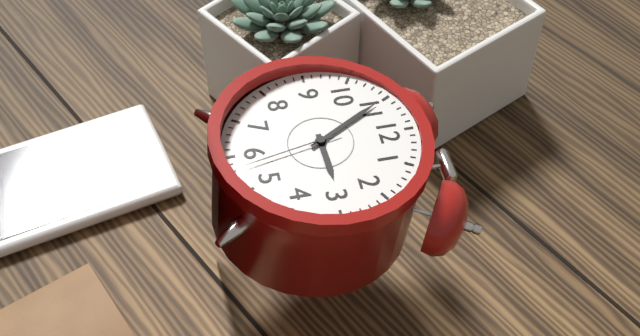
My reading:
**2:55:28**
